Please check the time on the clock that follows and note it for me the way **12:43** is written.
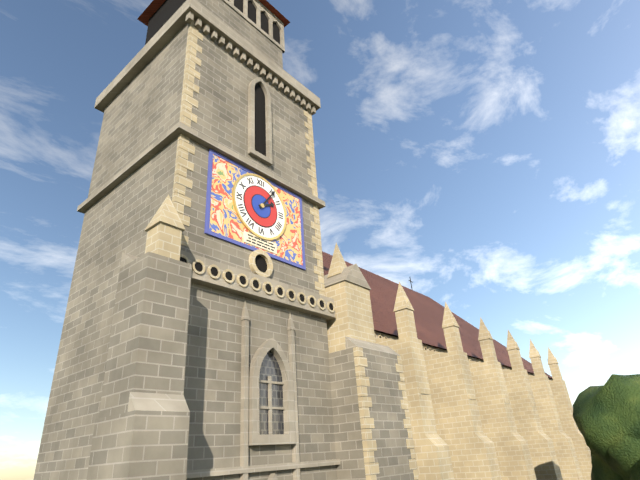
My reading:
**2:06**
